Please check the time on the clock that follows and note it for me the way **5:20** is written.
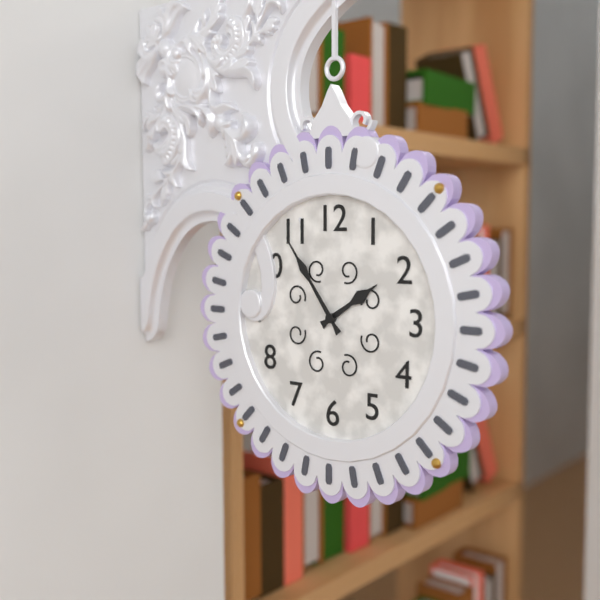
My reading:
**1:54**
